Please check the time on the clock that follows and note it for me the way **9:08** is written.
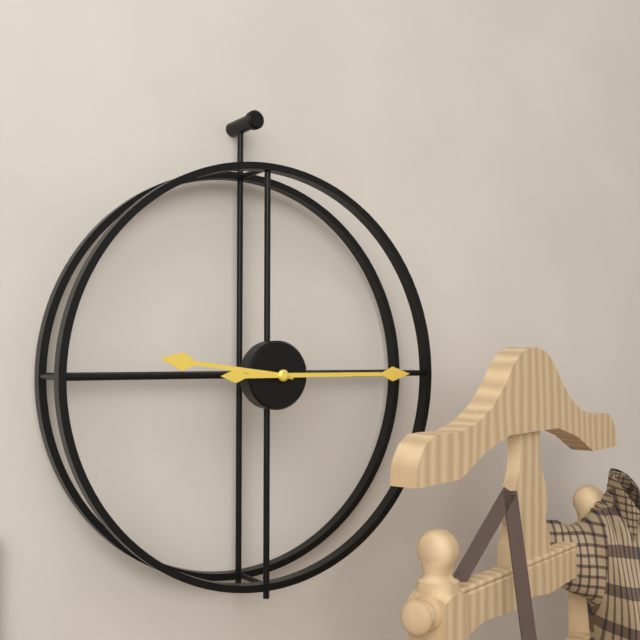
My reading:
**9:15**
